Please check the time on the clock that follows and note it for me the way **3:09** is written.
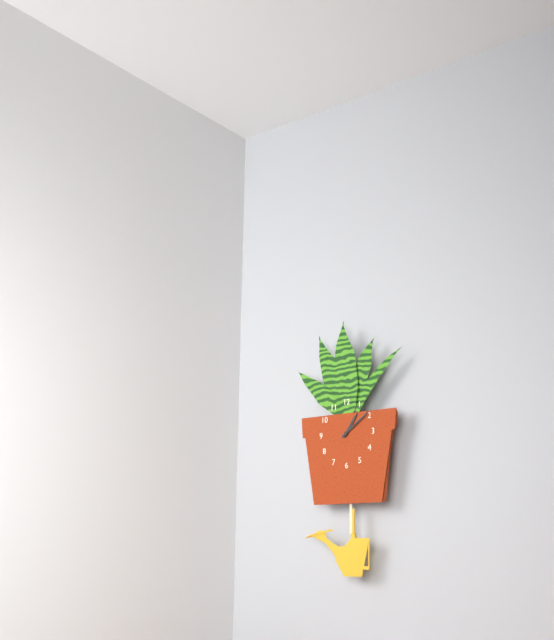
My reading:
**1:09**
